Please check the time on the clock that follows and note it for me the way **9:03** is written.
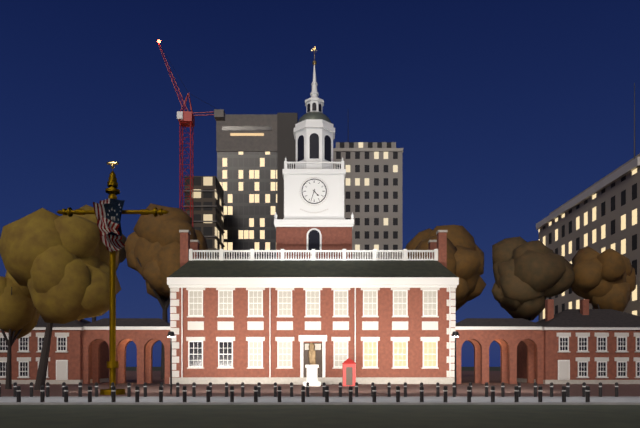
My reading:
**4:33**
